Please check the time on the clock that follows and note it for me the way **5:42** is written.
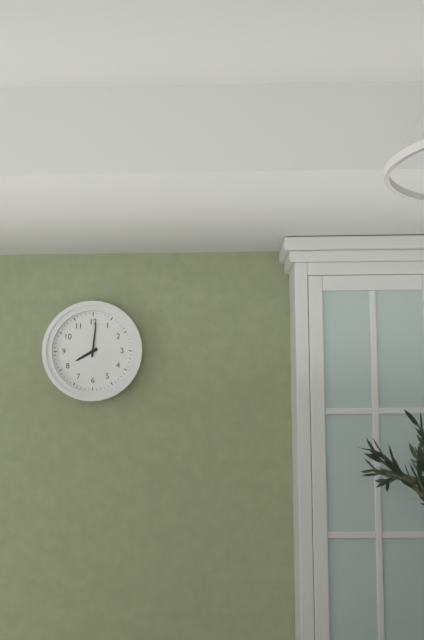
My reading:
**8:01**
